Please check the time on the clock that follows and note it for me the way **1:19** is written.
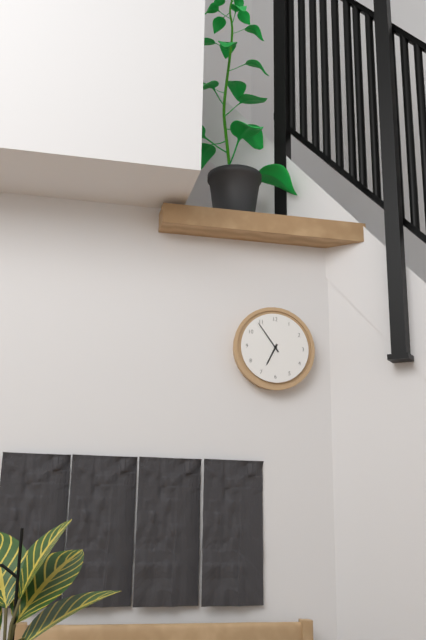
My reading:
**6:54**
